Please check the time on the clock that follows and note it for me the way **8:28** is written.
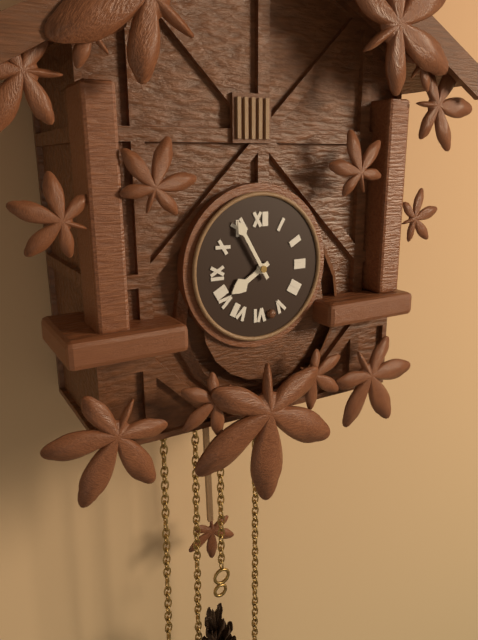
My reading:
**7:55**
